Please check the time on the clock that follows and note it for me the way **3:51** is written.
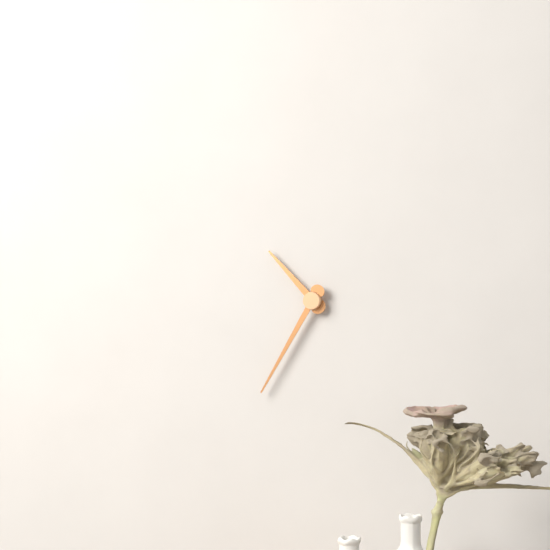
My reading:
**10:35**
